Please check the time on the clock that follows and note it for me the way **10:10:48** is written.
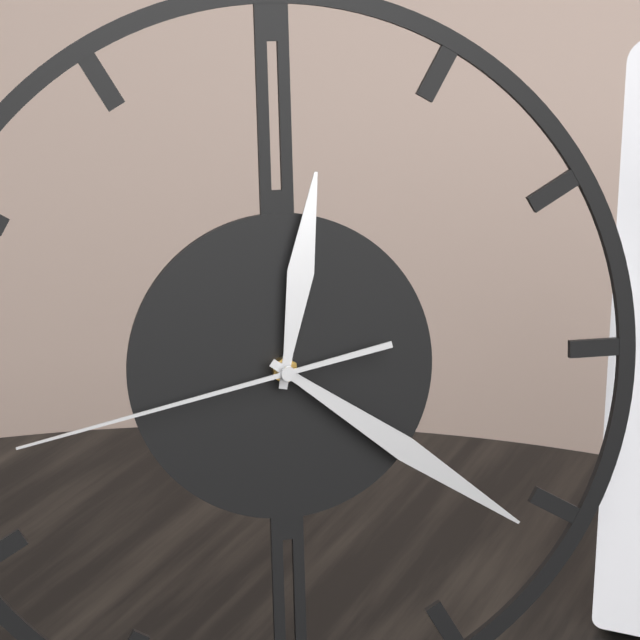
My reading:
**12:21:43**
